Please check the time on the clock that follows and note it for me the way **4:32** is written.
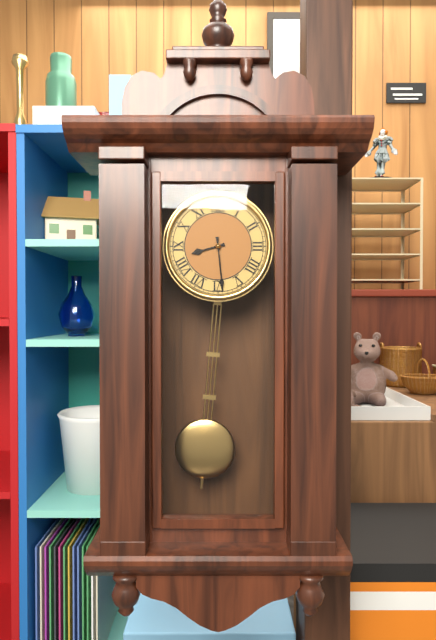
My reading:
**8:29**
